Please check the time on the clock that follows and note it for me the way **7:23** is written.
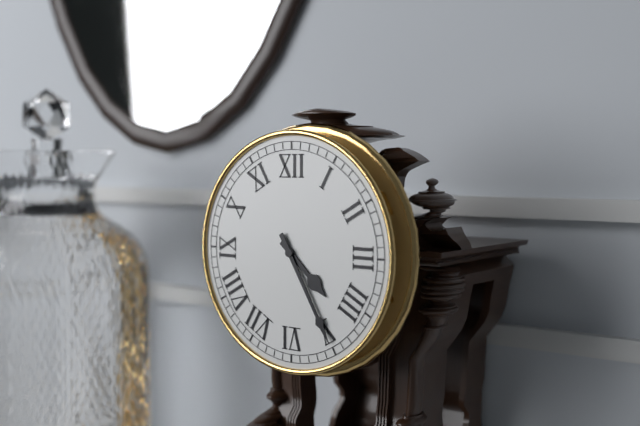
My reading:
**4:25**
